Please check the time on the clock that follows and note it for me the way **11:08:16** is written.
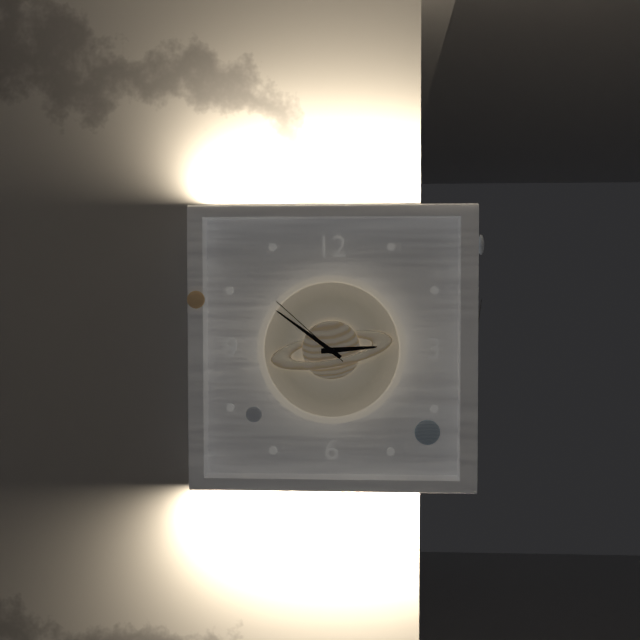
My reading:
**2:51:52**
